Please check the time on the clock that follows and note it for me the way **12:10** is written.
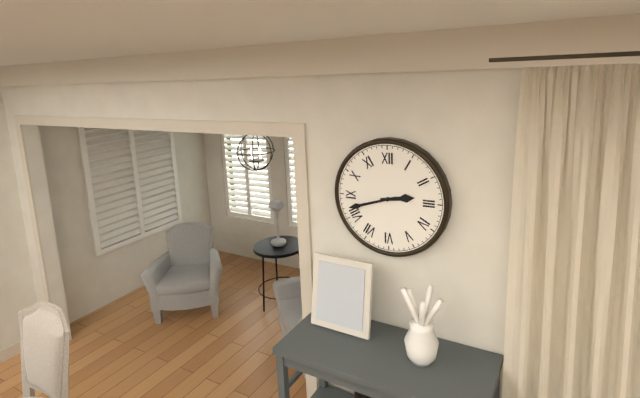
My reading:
**2:42**
